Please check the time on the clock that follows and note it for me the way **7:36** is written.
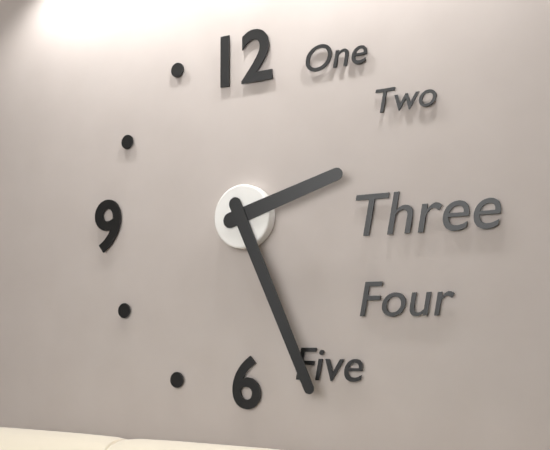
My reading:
**2:26**
